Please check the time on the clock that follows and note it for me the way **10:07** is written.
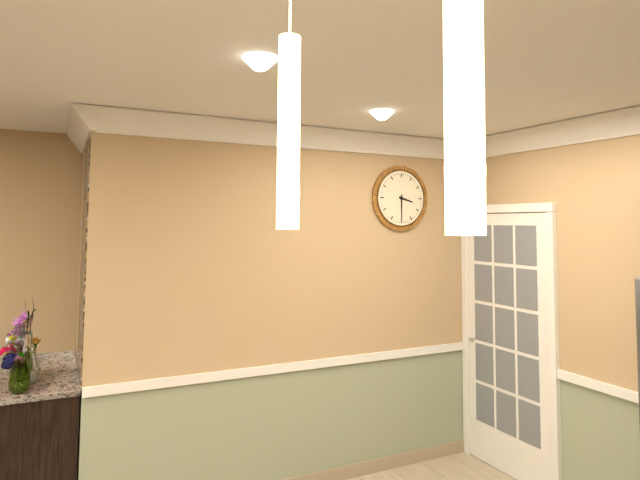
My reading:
**3:30**
